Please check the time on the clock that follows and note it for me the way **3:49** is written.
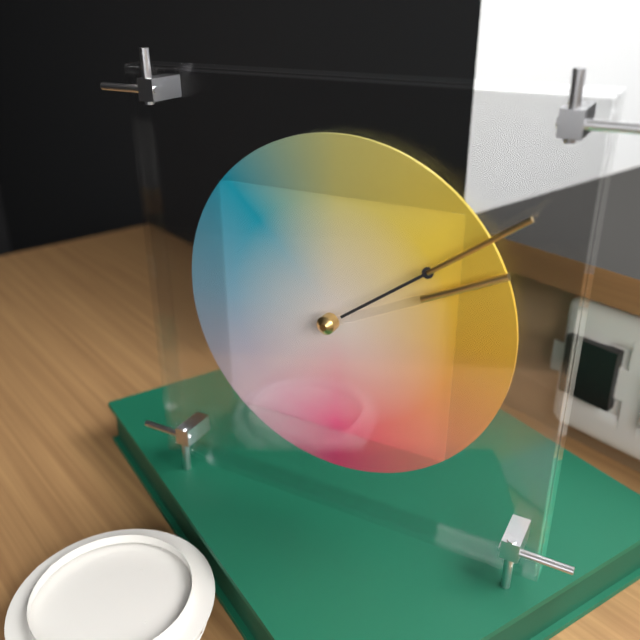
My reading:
**2:09**
